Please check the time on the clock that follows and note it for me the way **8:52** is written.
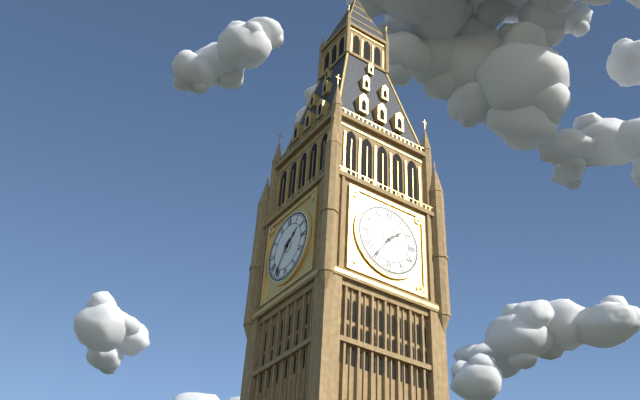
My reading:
**1:36**
